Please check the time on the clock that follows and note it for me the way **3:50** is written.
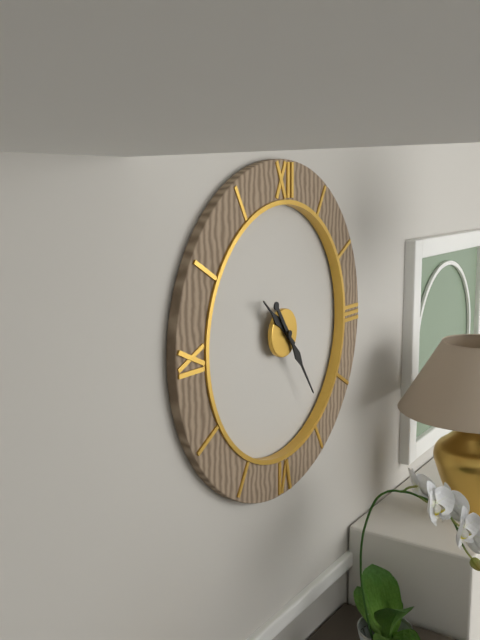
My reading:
**10:24**
